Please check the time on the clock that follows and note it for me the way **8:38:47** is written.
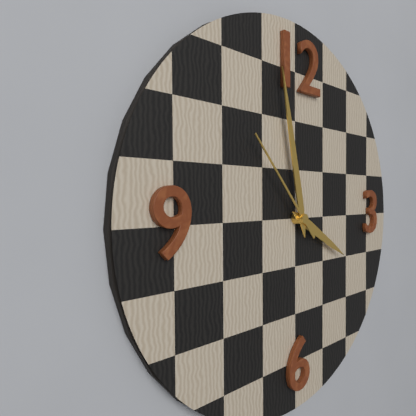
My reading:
**3:58:53**
